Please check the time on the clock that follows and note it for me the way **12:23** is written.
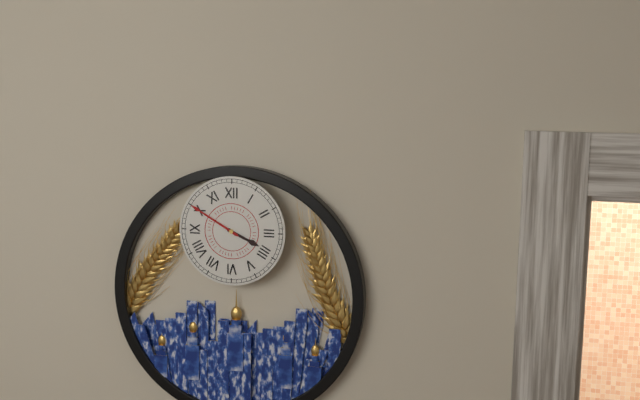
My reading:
**3:50**
